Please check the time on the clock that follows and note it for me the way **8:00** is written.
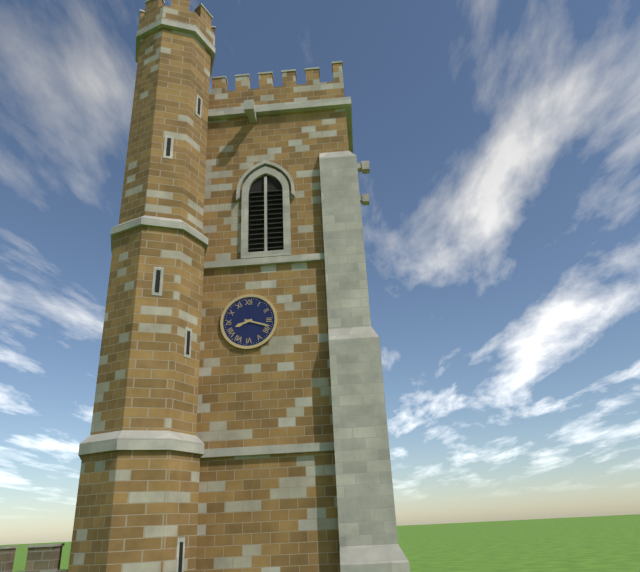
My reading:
**8:18**
